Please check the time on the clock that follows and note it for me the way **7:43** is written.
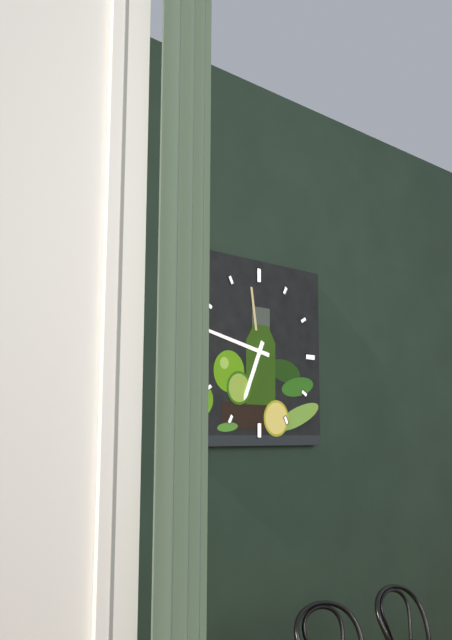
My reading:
**6:47**
